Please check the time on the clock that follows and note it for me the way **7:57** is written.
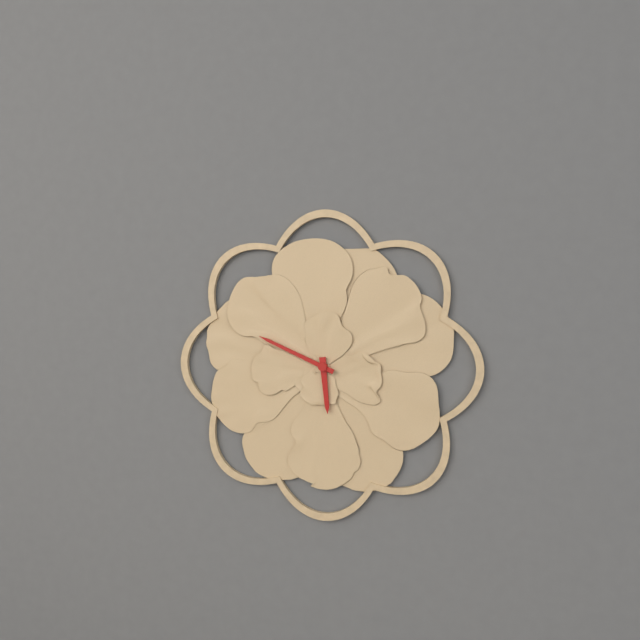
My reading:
**5:49**
